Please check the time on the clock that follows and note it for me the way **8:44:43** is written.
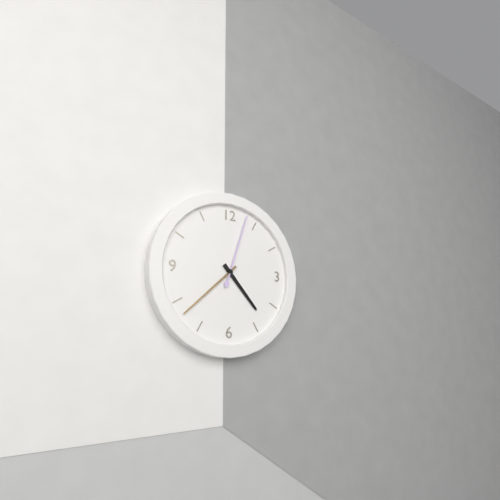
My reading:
**4:38:03**
